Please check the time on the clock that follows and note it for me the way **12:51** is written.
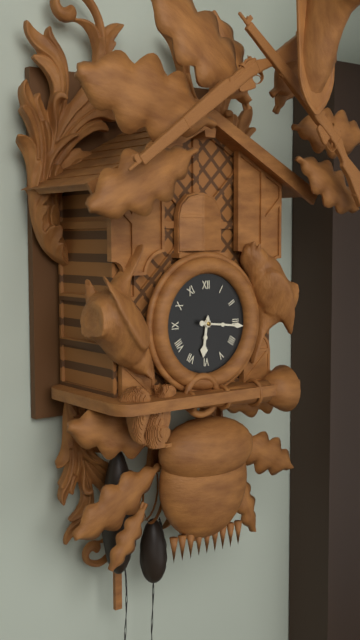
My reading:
**6:16**
